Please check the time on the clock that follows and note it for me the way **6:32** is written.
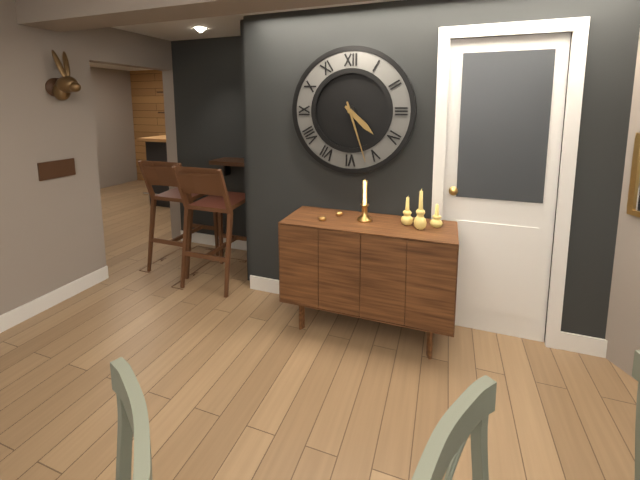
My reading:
**4:27**
